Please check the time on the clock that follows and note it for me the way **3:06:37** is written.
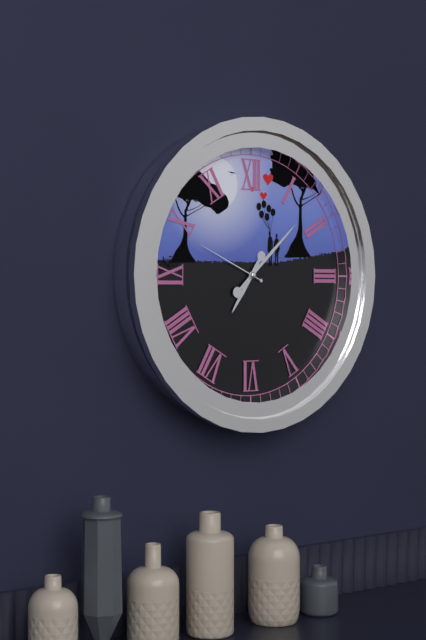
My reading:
**7:08:49**
